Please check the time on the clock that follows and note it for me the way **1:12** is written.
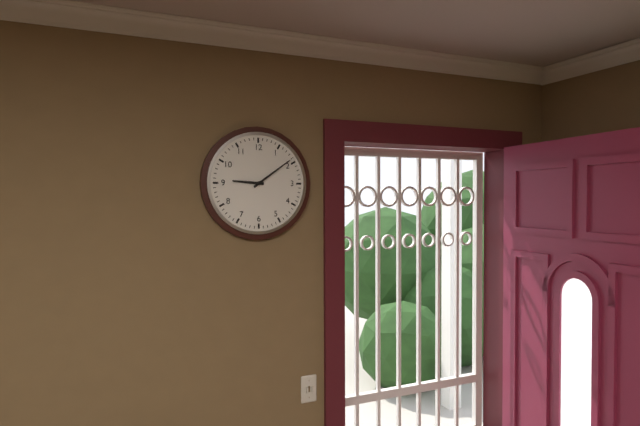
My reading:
**9:09**
